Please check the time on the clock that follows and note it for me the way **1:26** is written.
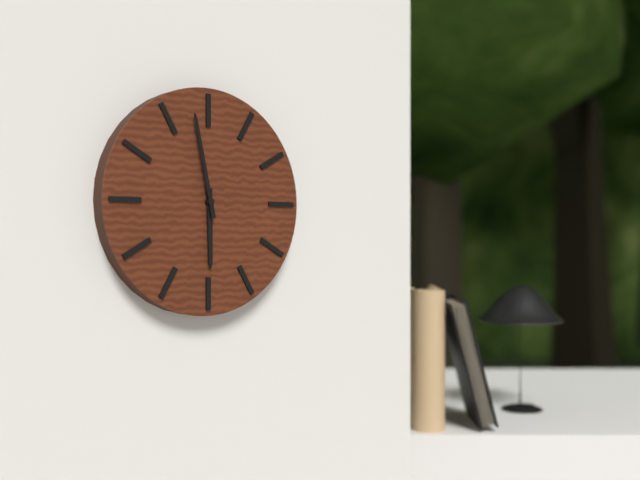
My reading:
**5:58**
